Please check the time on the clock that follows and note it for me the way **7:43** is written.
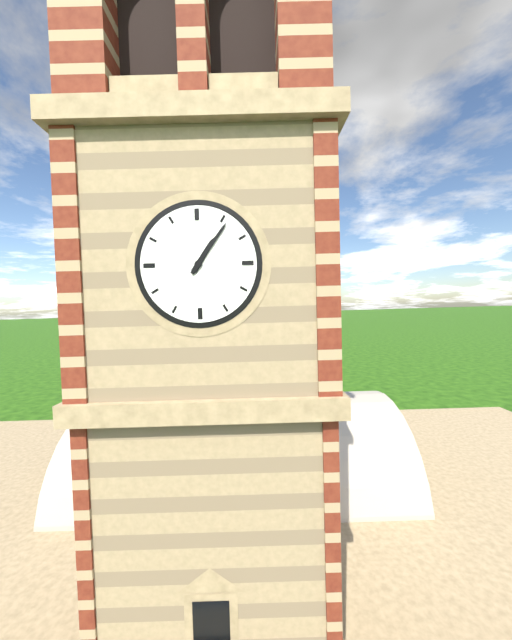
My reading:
**1:06**
